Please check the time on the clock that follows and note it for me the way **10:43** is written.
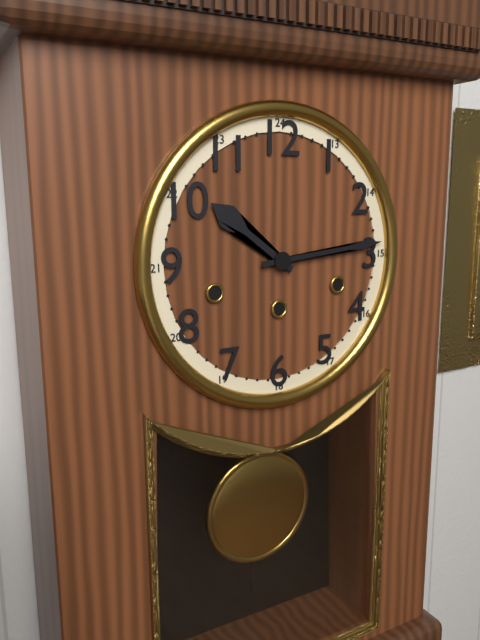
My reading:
**10:14**
